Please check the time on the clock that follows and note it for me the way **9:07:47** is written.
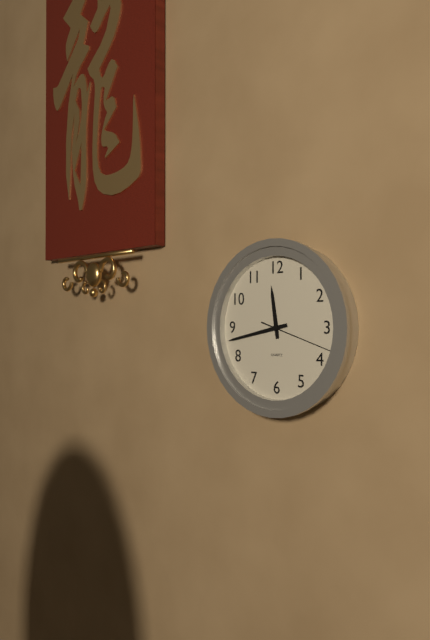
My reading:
**11:43:18**
